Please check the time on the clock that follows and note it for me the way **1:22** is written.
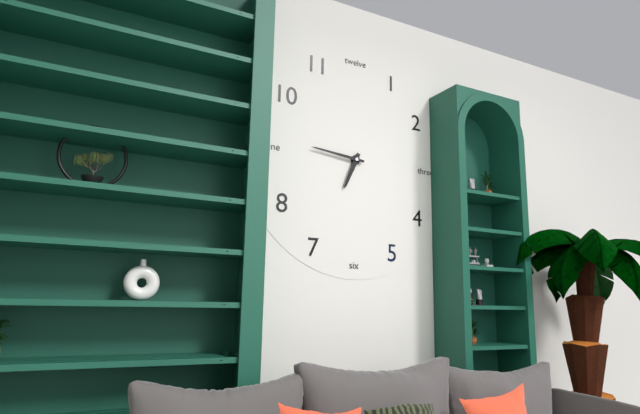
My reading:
**6:46**
